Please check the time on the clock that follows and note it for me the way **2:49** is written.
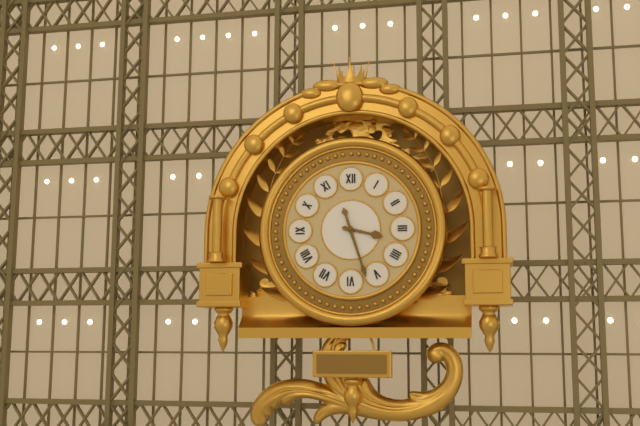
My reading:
**3:27**
